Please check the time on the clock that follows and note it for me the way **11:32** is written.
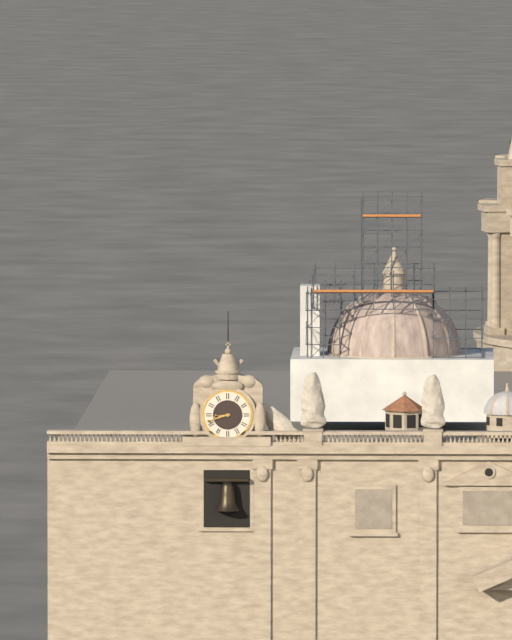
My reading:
**8:42**
